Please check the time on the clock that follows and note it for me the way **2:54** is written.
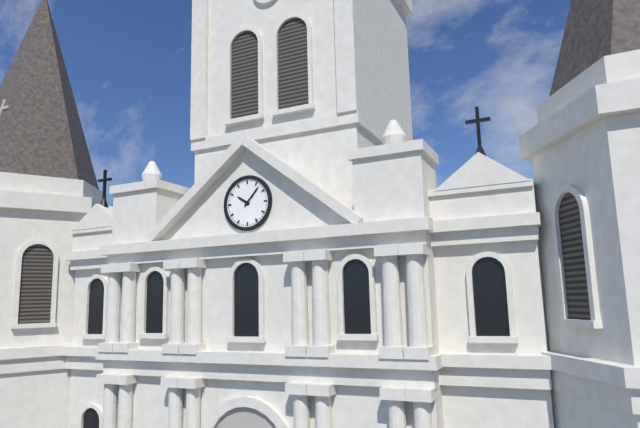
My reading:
**10:07**
